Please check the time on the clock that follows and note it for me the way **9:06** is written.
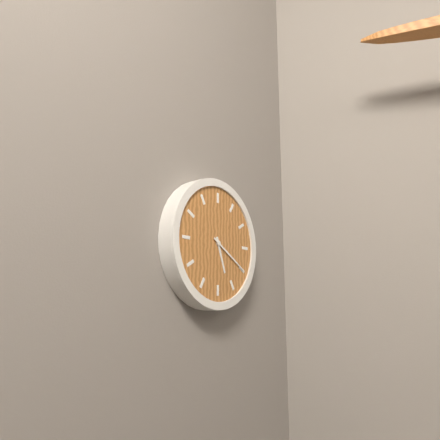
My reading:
**5:20**
